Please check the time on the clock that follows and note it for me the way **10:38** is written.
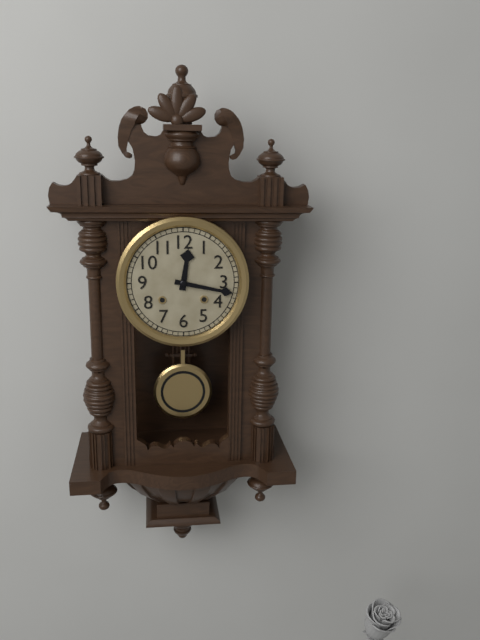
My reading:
**12:17**
